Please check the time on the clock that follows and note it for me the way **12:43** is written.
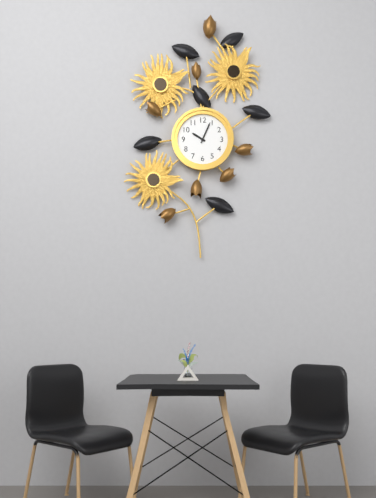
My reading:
**10:04**
